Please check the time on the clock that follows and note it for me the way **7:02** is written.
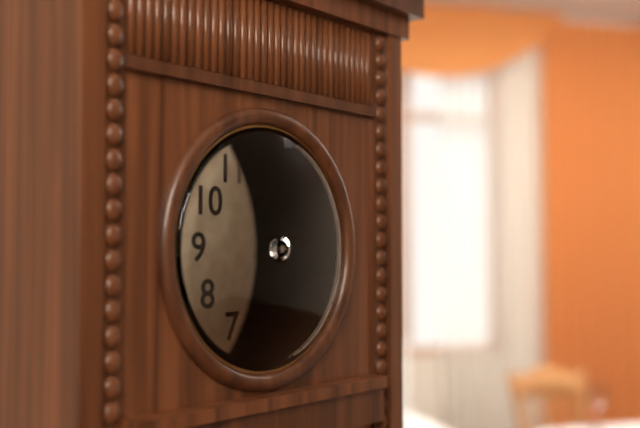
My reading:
**5:11**
